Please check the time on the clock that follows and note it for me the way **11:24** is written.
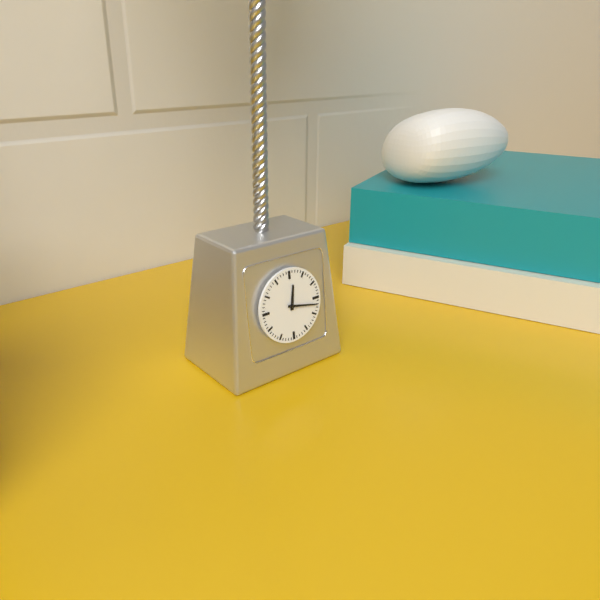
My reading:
**12:17**
